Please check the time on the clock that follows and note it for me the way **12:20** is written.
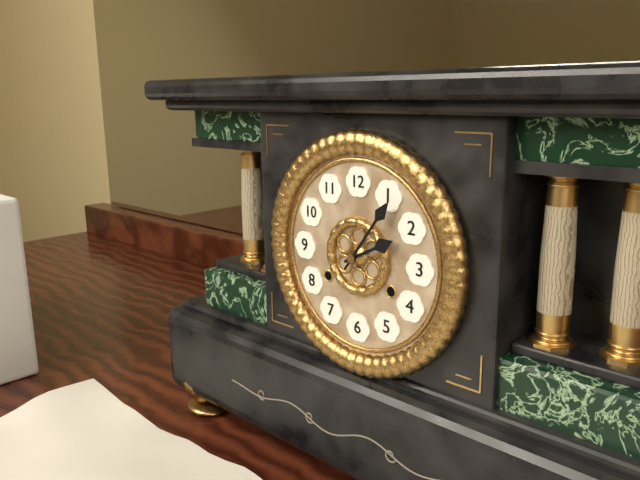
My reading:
**2:06**
